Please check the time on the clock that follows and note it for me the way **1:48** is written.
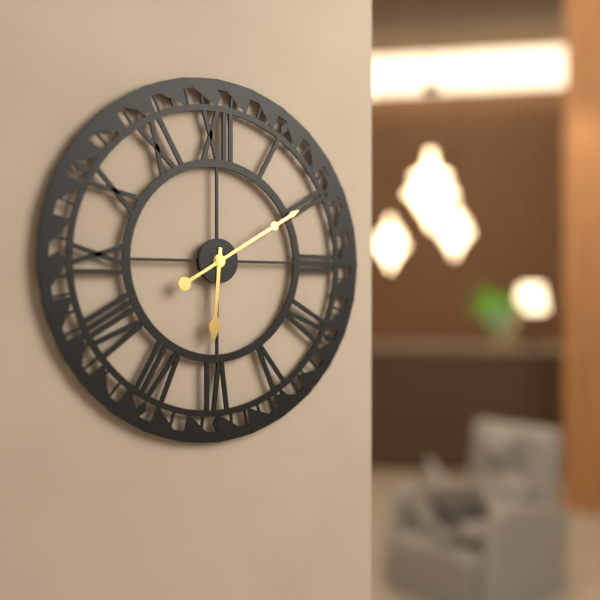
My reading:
**6:10**
